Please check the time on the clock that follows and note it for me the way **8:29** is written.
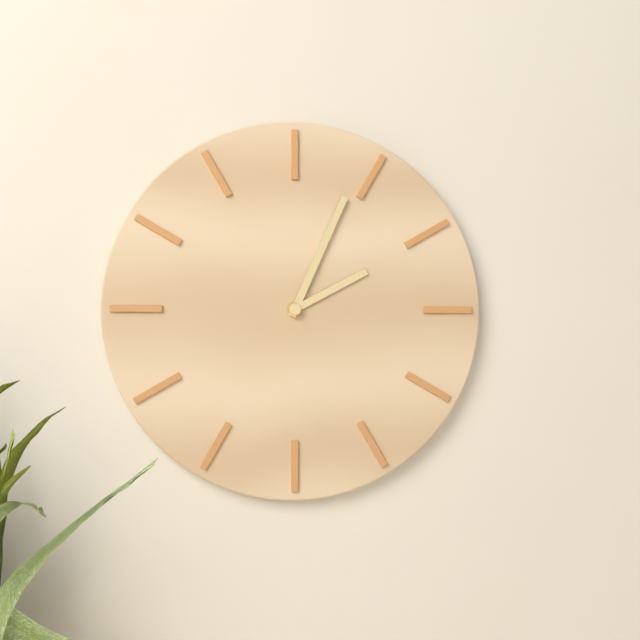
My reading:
**2:04**
